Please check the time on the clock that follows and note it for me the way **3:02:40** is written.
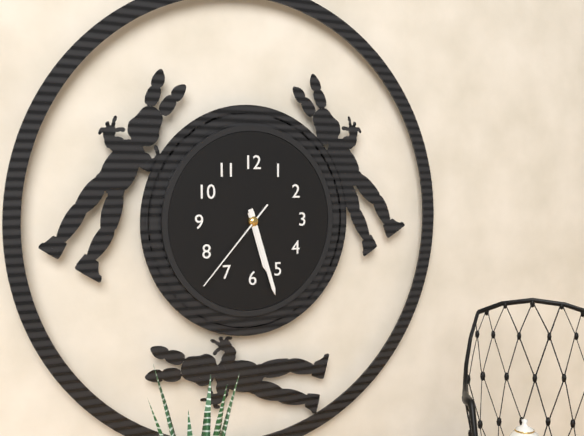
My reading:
**5:27:37**
